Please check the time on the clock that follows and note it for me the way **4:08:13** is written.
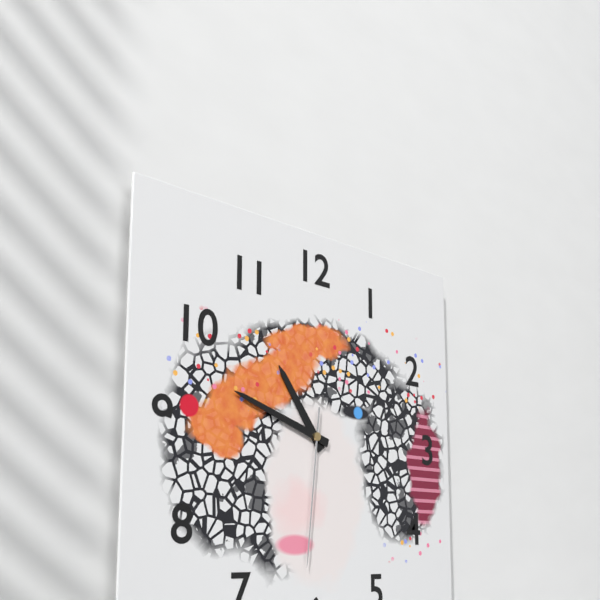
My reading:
**10:48:31**
